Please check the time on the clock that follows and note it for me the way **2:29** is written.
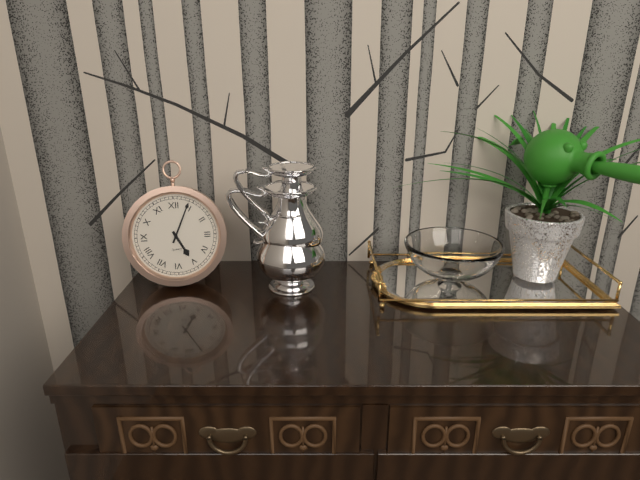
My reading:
**5:04**
